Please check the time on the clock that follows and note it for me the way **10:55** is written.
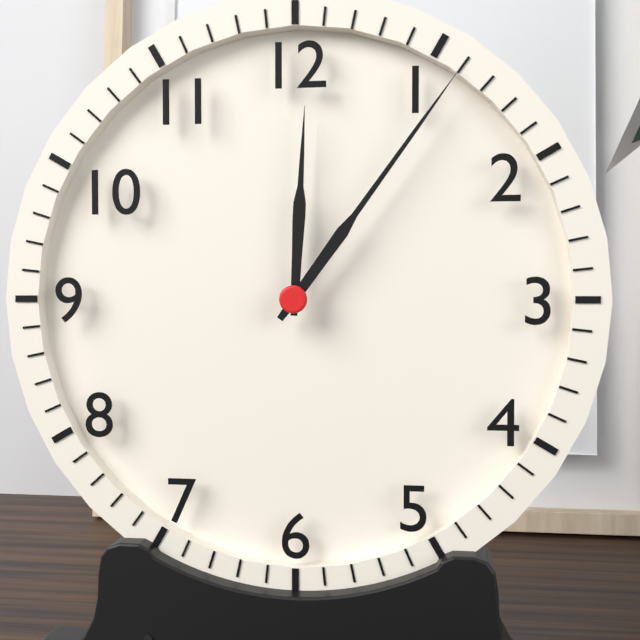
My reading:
**12:06**
